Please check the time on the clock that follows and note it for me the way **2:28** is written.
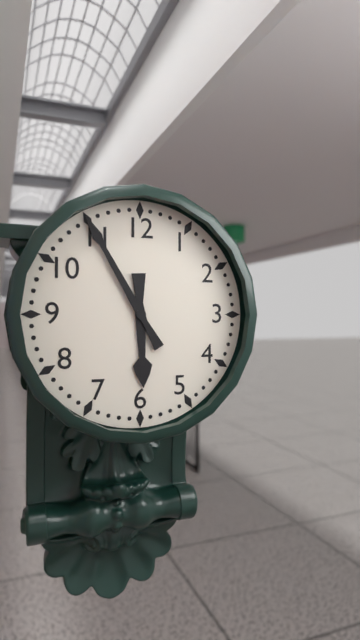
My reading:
**5:55**
